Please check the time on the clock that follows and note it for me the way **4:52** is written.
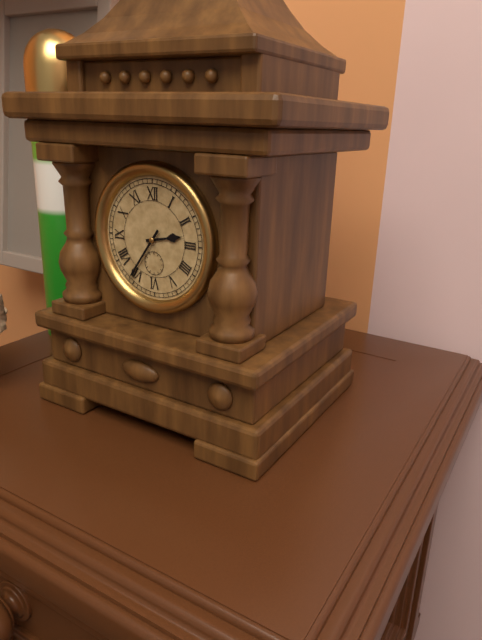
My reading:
**2:36**
